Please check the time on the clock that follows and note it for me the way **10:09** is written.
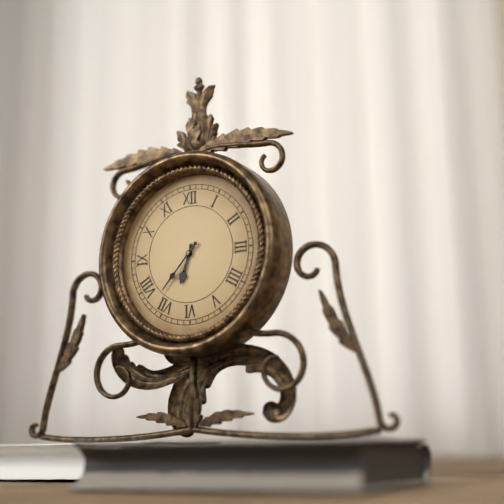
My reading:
**6:37**
